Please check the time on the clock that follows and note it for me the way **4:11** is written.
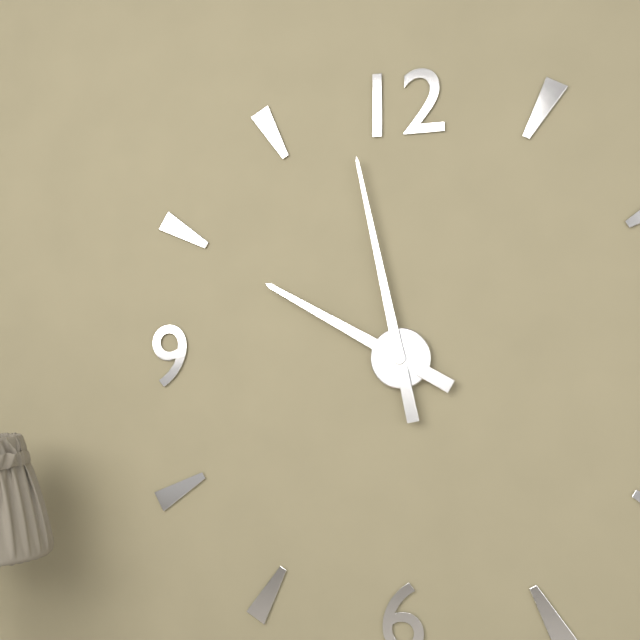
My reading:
**9:58**
